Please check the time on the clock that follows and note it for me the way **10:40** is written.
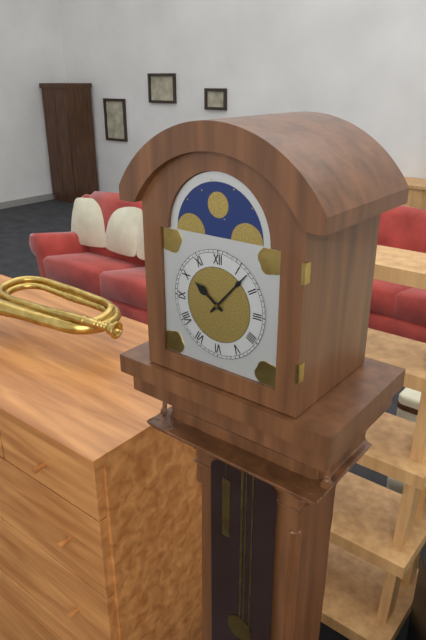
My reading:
**10:07**
